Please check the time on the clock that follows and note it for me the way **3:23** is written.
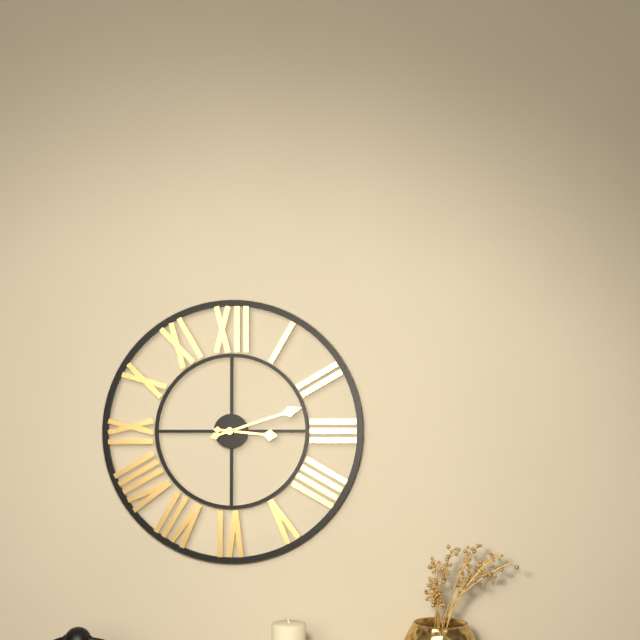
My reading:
**3:12**
